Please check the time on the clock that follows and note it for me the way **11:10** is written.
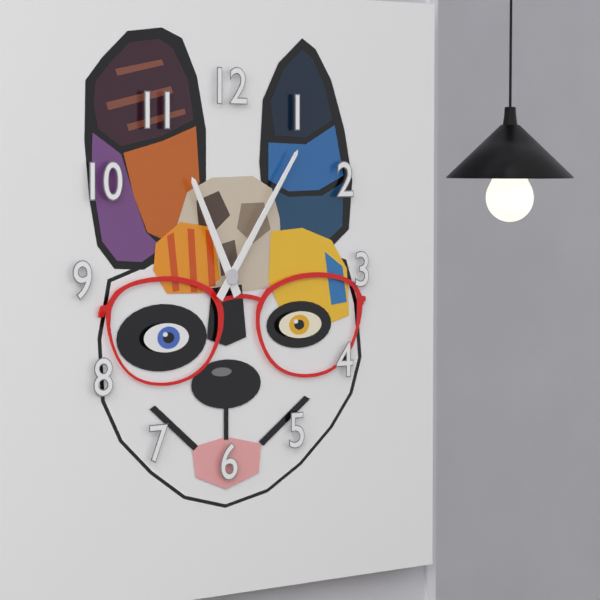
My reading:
**11:06**
